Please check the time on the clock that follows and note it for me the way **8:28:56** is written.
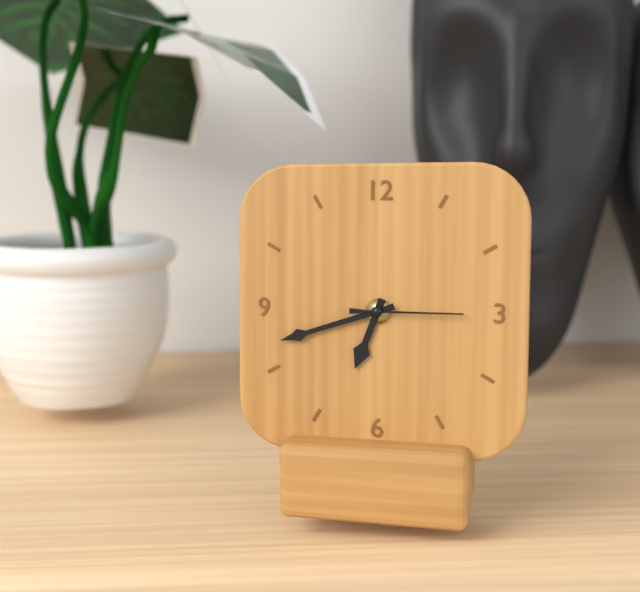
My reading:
**6:42:15**
